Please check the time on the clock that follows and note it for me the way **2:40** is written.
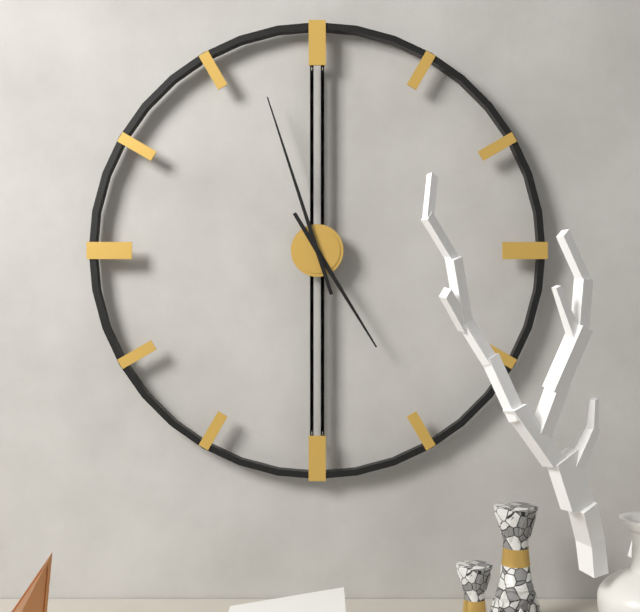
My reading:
**4:57**
